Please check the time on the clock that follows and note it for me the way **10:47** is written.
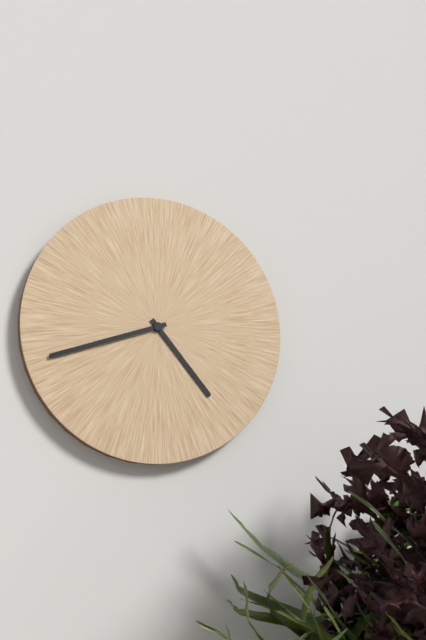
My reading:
**4:42**
